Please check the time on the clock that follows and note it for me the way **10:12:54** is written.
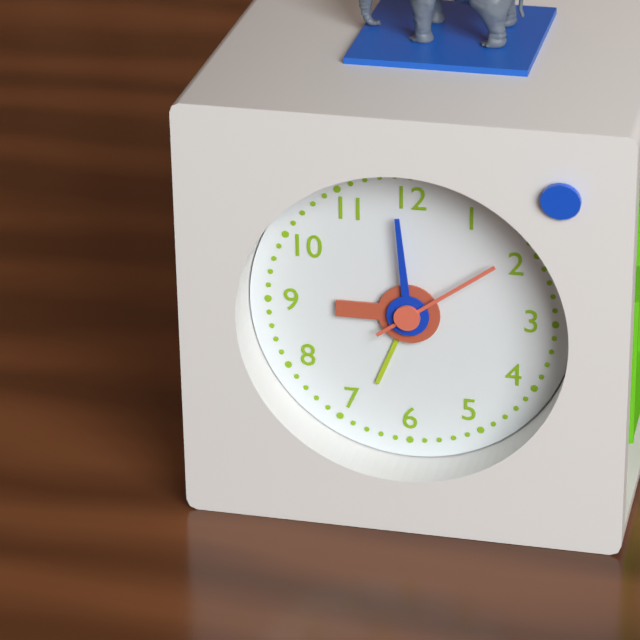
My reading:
**8:59:09**
